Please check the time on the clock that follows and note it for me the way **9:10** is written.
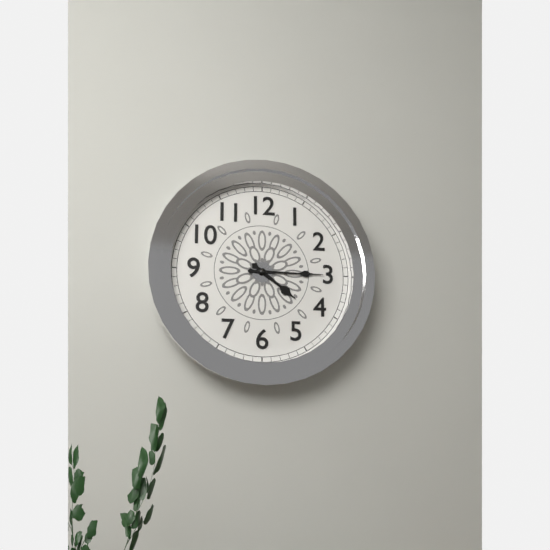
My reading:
**4:15**
